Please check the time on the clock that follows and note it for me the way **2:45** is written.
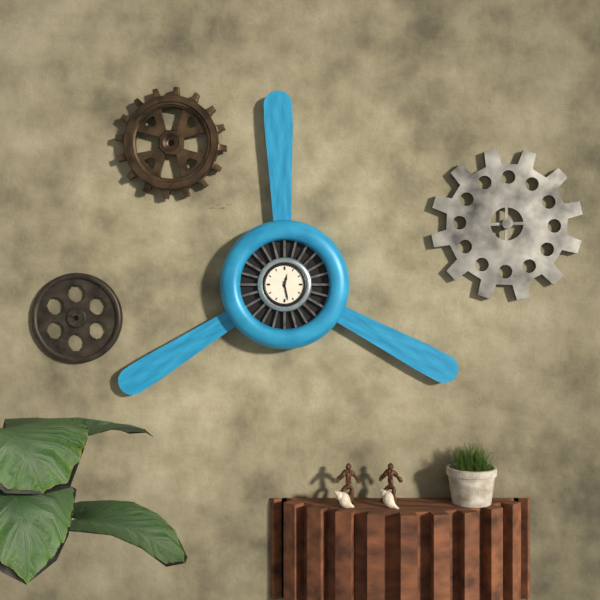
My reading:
**12:28**
